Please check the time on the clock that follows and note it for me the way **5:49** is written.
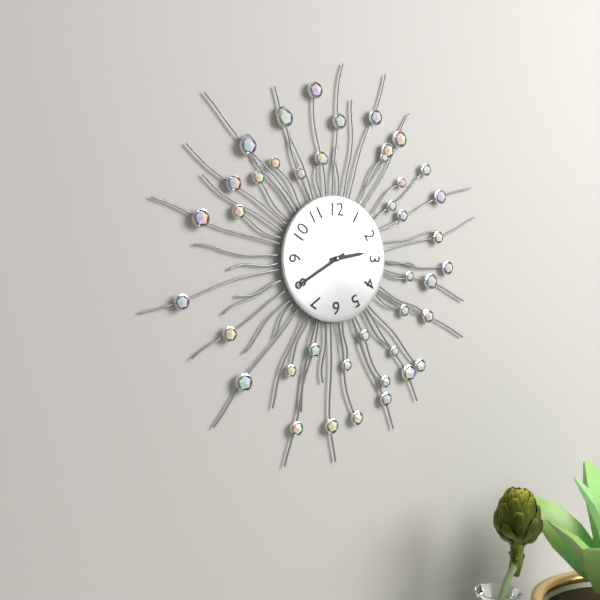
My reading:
**2:40**
